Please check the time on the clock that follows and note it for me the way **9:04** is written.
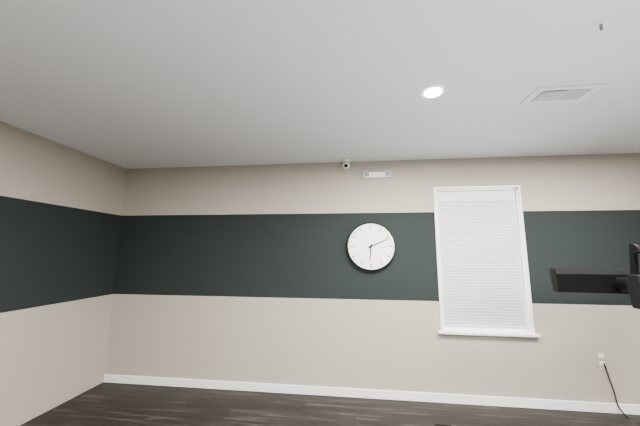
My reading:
**6:11**
